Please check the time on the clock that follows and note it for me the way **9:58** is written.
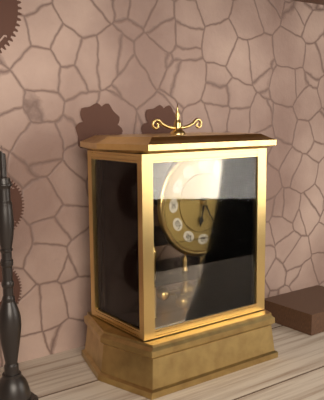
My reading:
**6:25**
